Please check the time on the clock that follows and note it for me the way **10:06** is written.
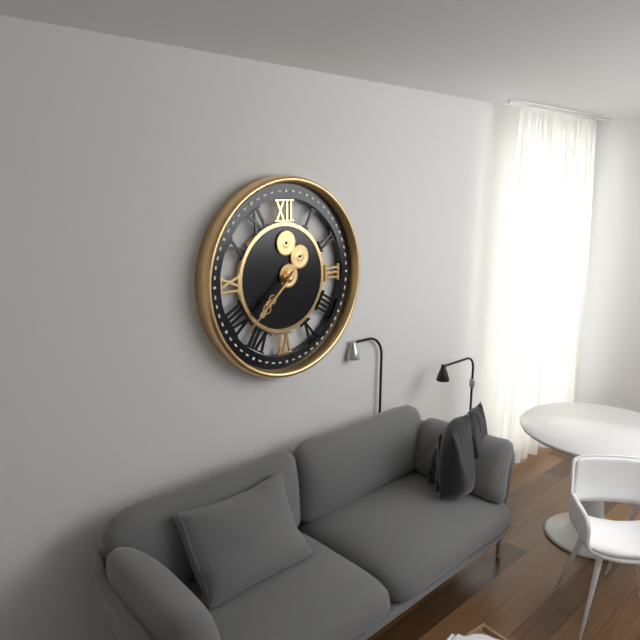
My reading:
**7:38**
